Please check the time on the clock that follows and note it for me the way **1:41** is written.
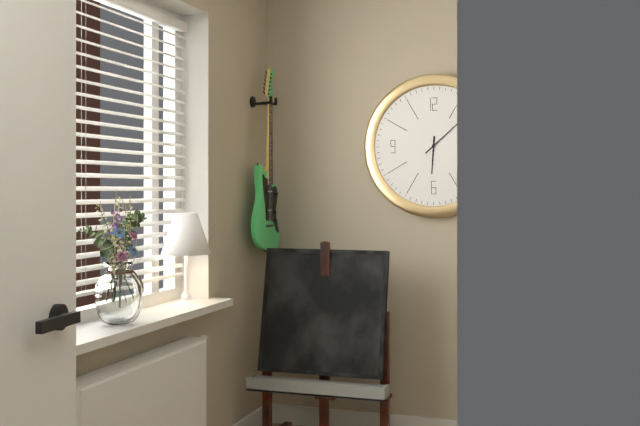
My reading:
**6:08**
